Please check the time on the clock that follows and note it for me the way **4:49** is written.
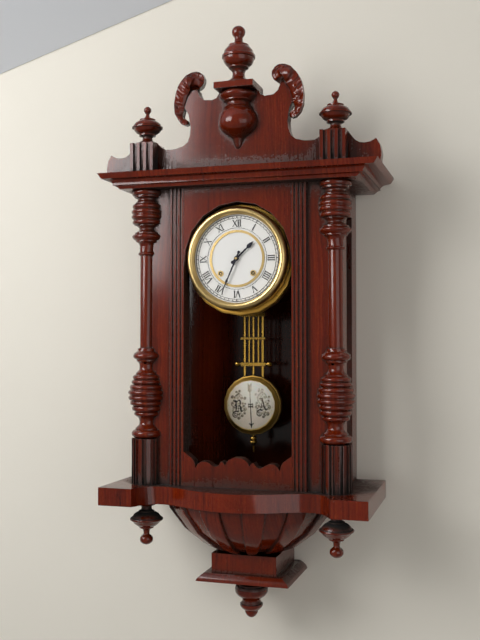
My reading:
**1:34**
